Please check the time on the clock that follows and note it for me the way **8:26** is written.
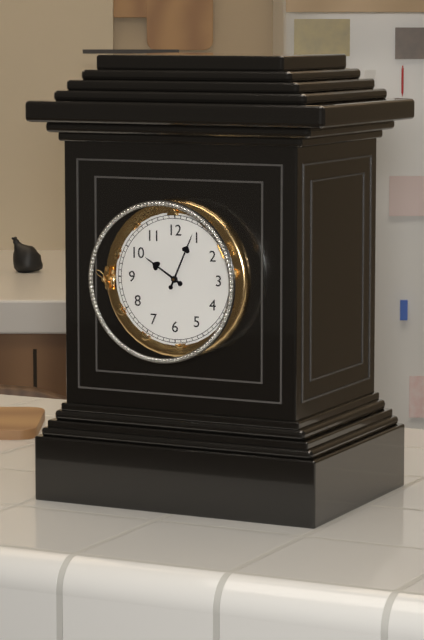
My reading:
**10:04**
